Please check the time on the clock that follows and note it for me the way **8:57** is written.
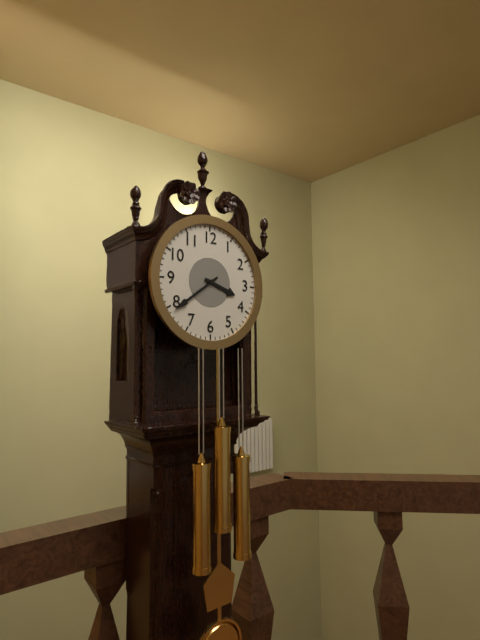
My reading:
**3:39**
